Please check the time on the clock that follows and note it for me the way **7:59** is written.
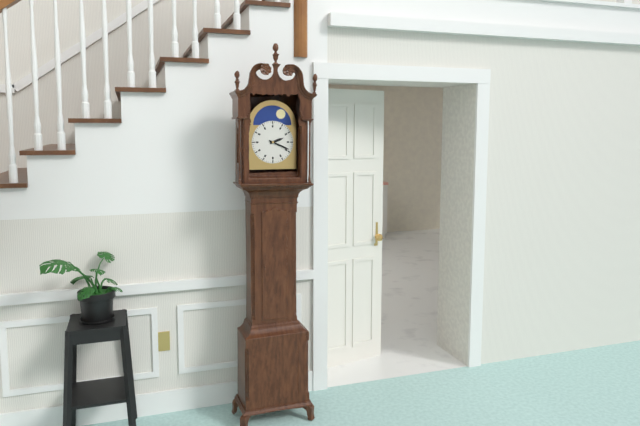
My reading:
**2:19**
